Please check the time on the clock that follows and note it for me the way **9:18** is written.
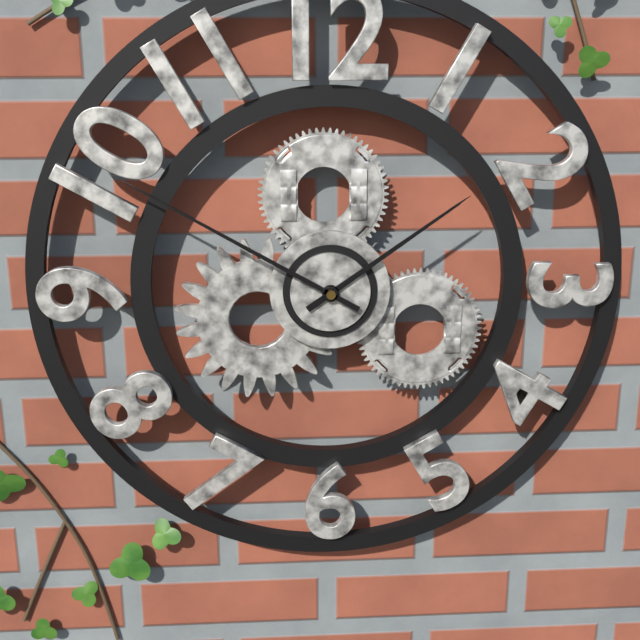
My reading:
**1:50**
